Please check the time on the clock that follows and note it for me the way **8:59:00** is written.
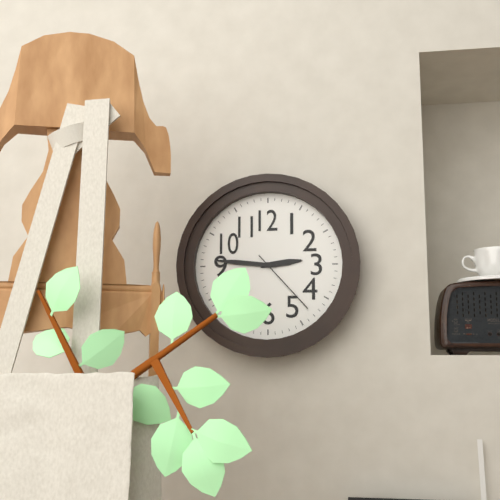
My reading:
**2:46:23**
